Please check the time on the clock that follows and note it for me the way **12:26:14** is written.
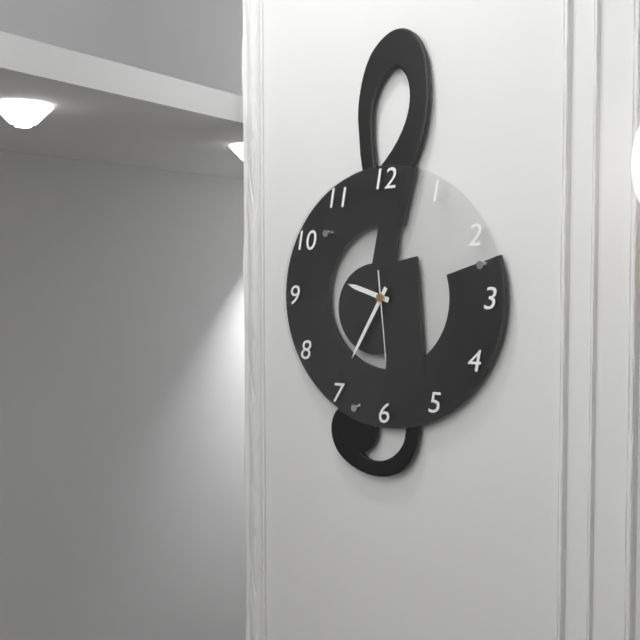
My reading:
**9:35:29**
